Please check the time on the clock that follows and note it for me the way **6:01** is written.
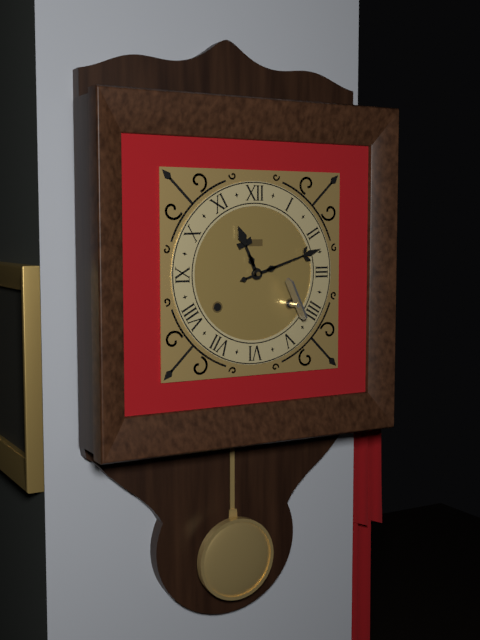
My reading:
**11:12**
